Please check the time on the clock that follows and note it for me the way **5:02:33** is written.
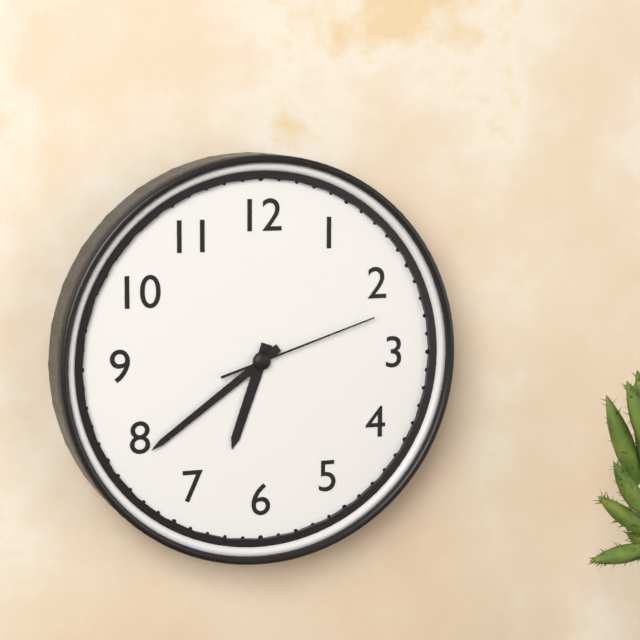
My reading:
**6:39:12**
